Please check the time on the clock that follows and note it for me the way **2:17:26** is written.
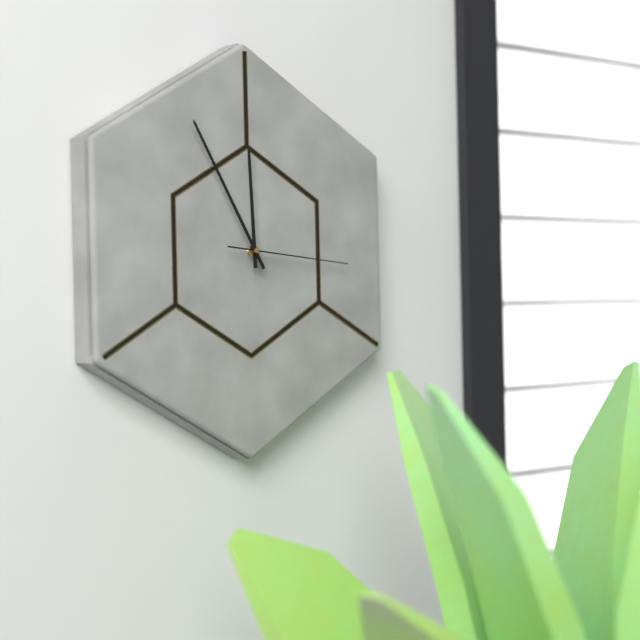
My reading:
**11:55:16**
